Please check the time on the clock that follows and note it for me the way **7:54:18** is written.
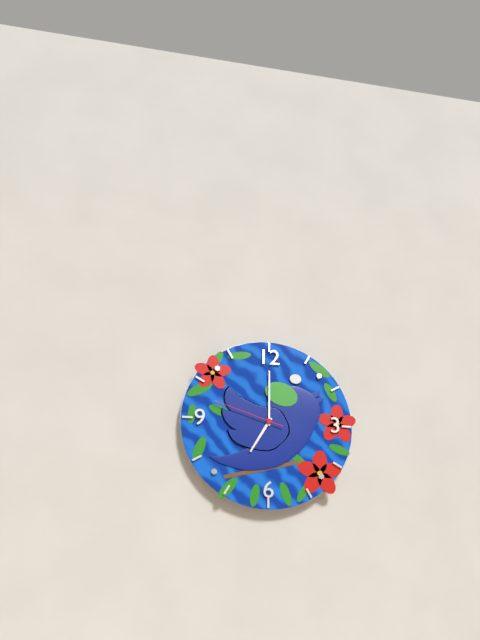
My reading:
**7:00:48**
